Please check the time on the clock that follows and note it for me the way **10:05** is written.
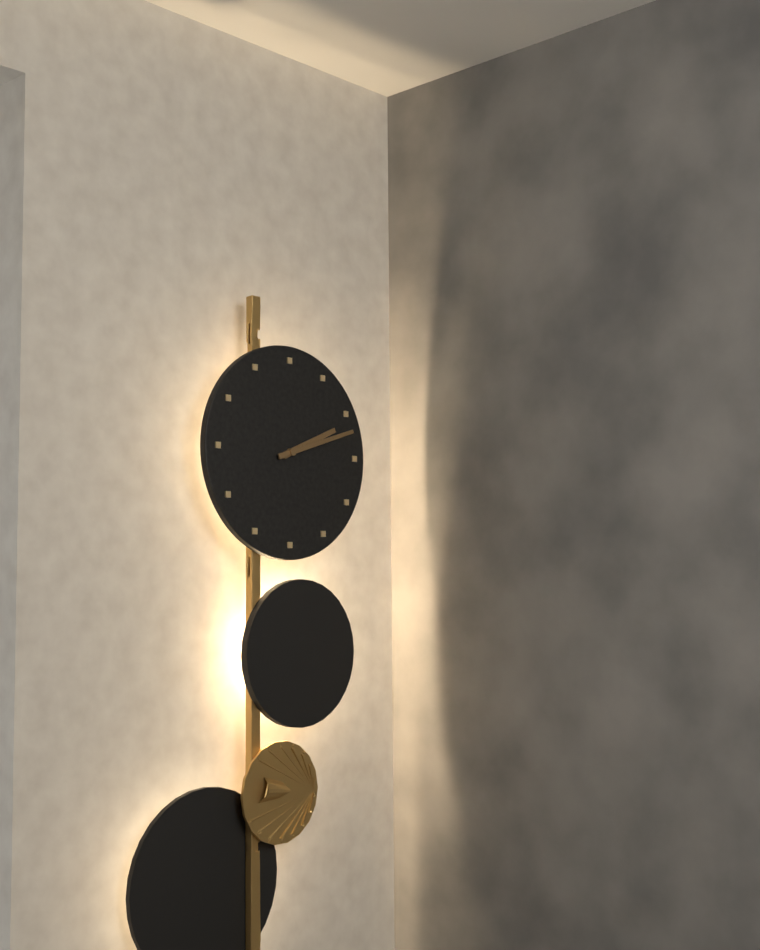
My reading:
**2:12**
